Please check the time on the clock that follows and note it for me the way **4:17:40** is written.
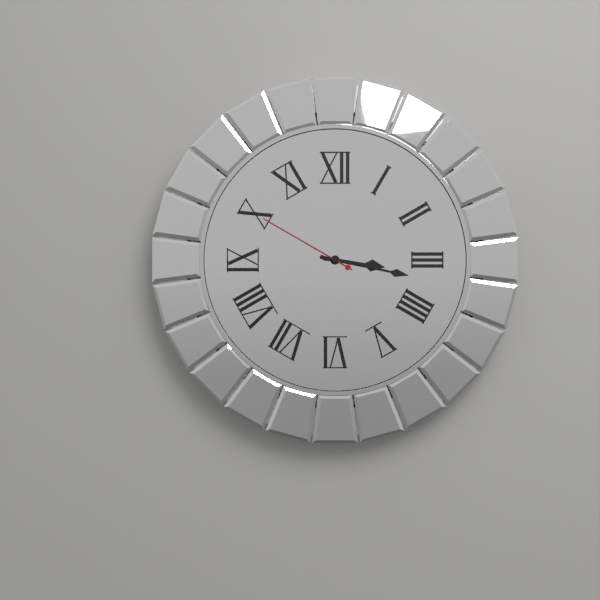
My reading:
**3:17:50**
